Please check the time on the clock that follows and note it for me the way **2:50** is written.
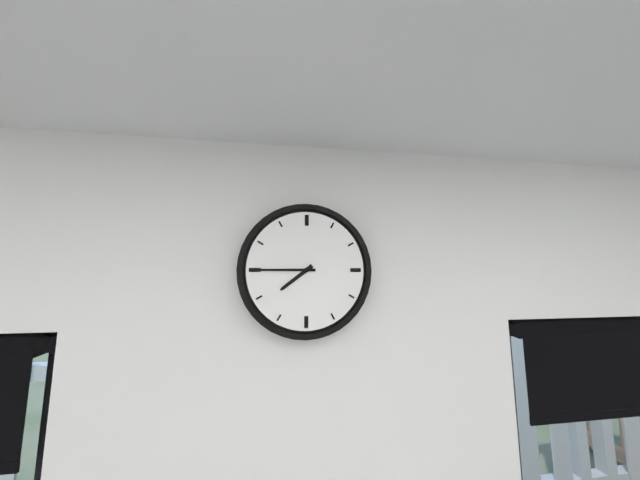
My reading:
**7:45**
